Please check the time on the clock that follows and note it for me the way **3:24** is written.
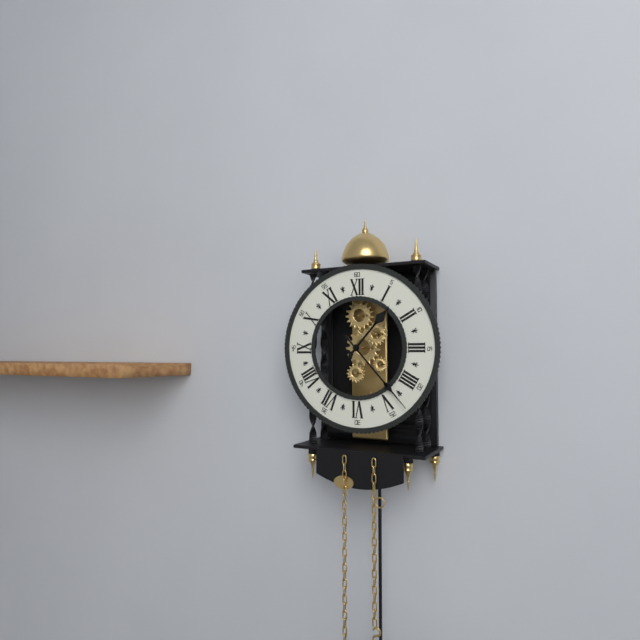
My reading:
**1:23**
